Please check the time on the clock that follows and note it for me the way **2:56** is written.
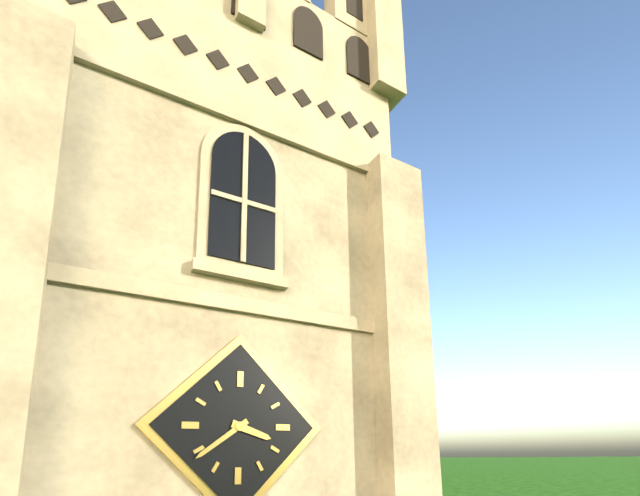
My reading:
**3:39**
